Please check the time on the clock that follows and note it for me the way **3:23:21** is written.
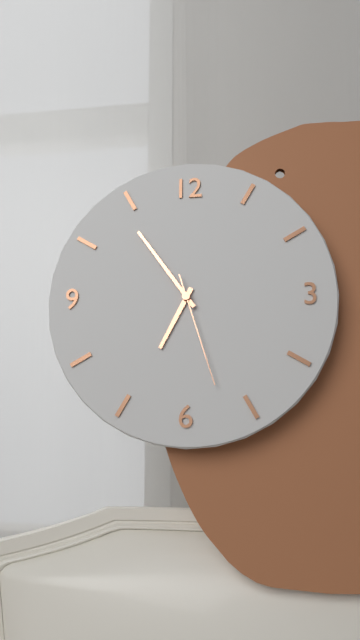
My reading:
**6:54:27**
